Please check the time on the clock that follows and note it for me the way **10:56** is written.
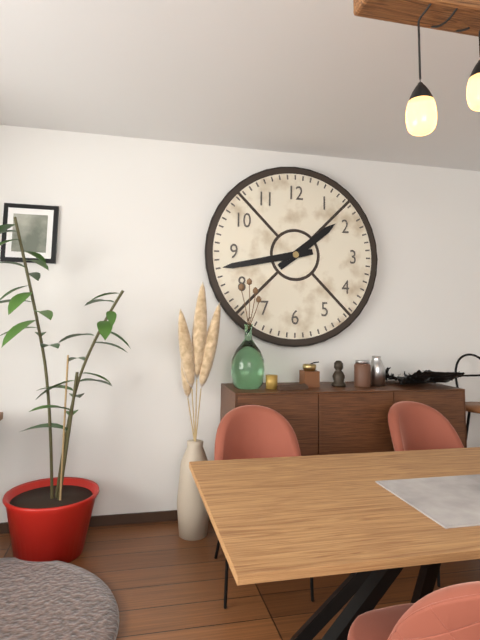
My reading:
**1:43**
